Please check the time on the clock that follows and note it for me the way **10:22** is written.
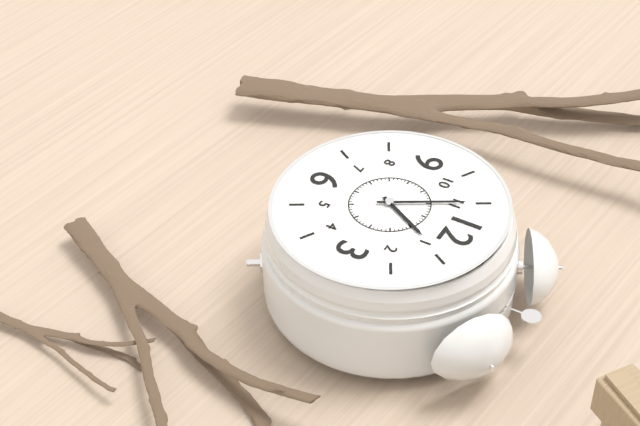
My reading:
**12:55**
